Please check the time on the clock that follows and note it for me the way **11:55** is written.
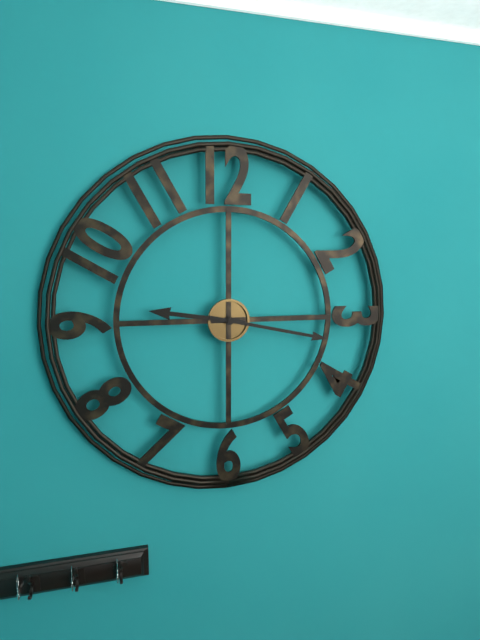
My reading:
**9:17**
